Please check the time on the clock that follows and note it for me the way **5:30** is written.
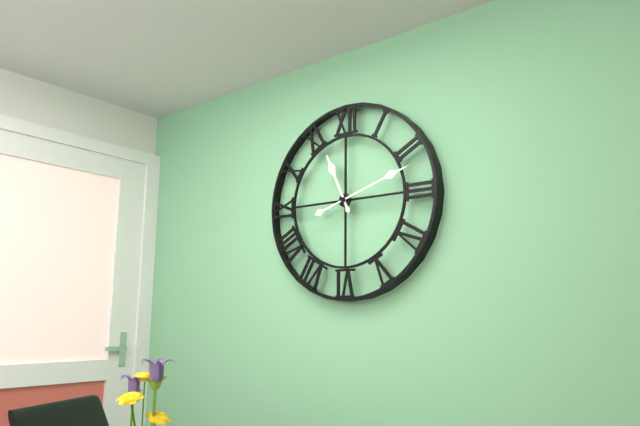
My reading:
**11:12**
